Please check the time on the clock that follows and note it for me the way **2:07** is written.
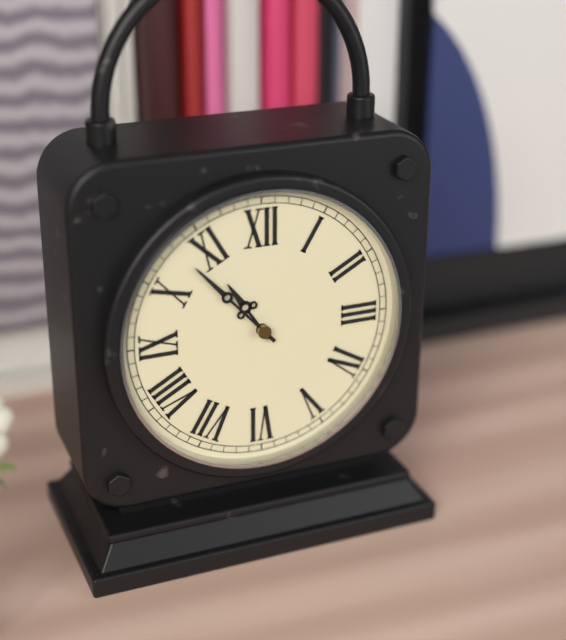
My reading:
**10:53**
